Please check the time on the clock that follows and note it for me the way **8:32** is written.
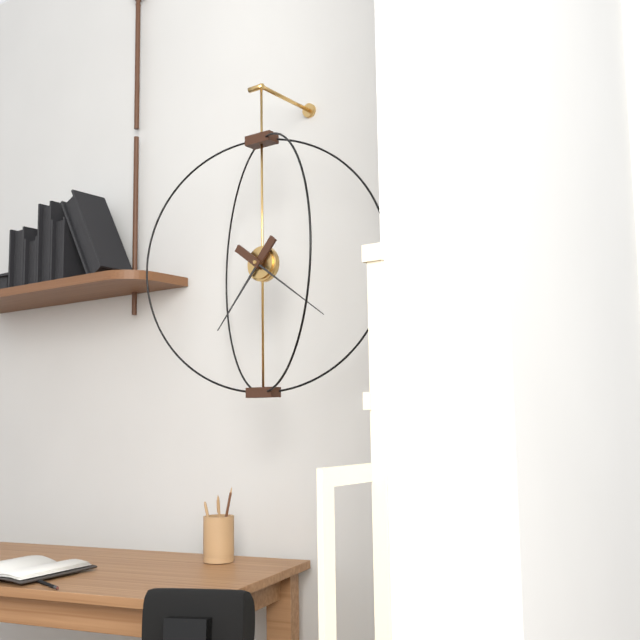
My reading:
**7:21**
